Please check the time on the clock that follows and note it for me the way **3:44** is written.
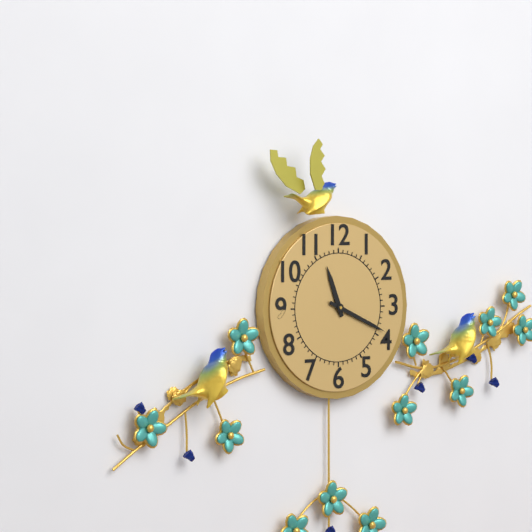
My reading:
**11:19**
